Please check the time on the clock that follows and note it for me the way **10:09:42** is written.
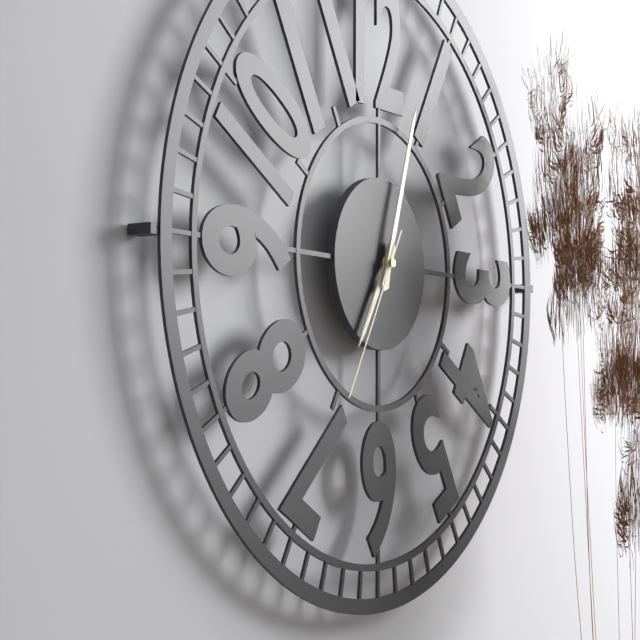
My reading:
**7:03:35**
